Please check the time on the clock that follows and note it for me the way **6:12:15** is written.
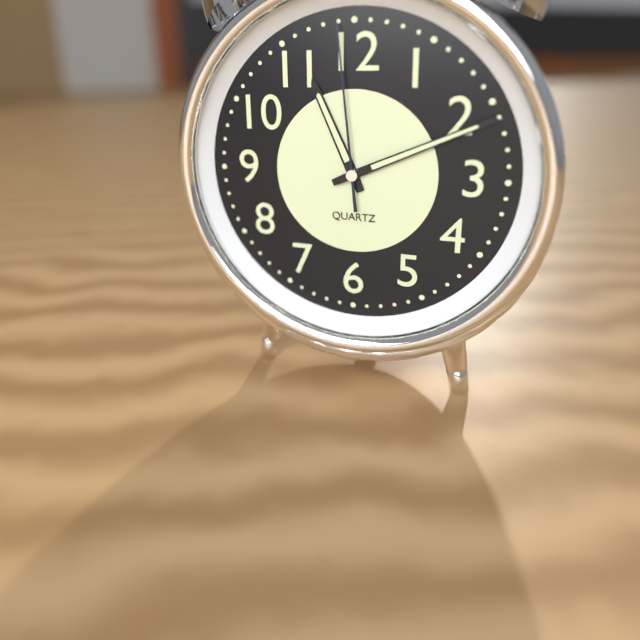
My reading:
**11:11:59**
